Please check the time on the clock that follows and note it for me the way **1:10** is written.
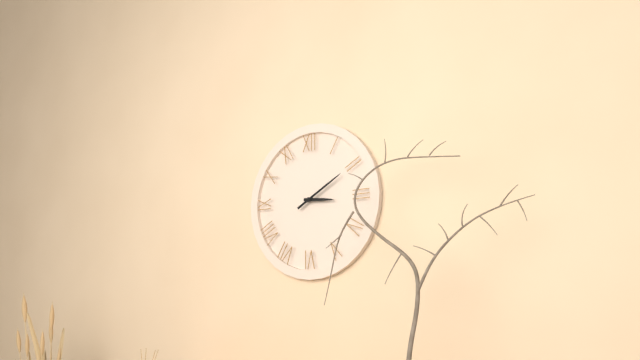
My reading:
**3:10**
